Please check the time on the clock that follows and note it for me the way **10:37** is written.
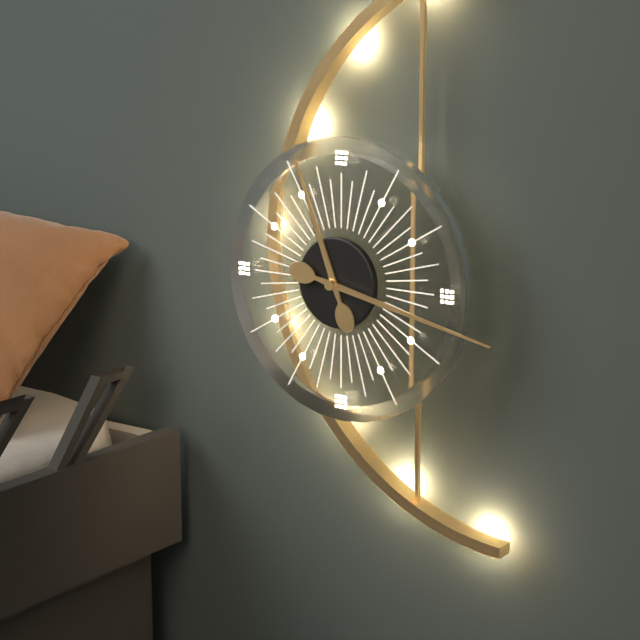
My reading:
**11:17**
